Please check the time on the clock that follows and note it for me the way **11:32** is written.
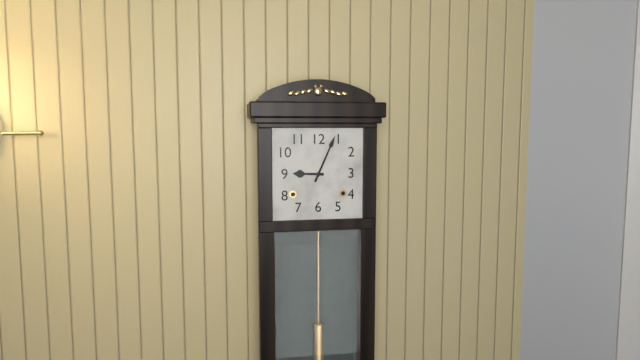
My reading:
**9:04**
